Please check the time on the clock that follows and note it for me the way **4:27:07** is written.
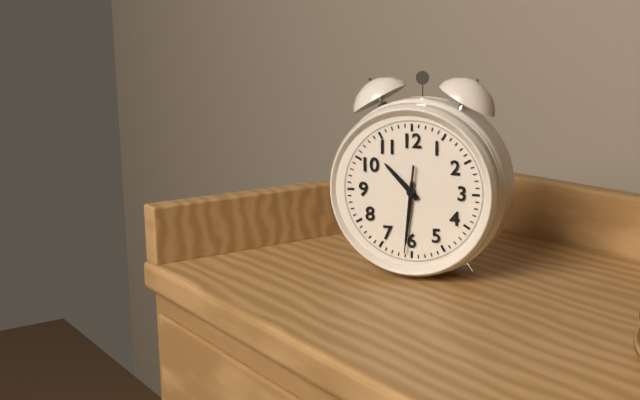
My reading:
**10:31:31**
